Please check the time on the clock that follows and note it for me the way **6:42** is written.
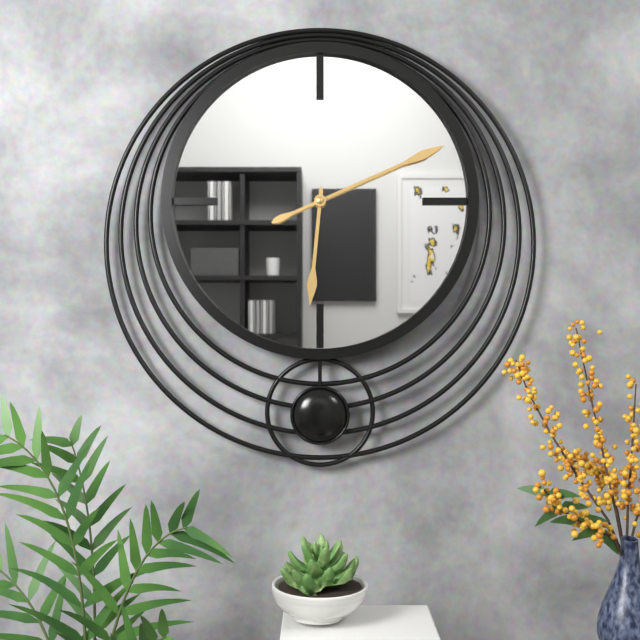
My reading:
**6:11**
